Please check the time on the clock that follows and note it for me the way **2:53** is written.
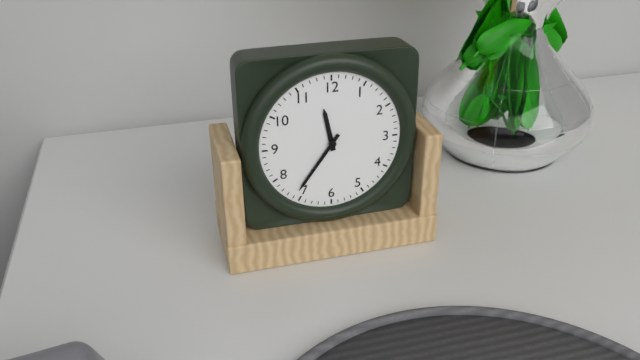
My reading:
**11:36**
